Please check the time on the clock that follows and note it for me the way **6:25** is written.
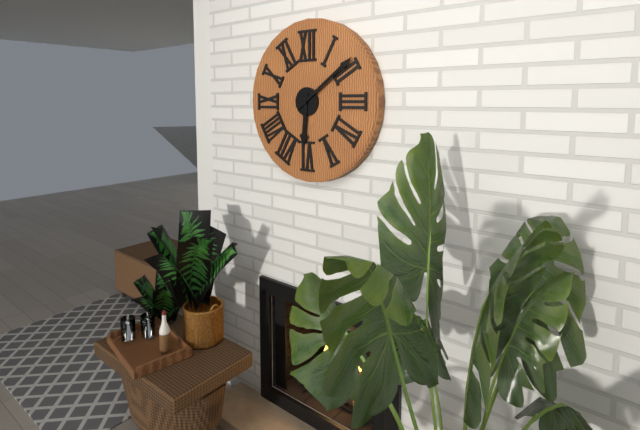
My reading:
**6:09**
